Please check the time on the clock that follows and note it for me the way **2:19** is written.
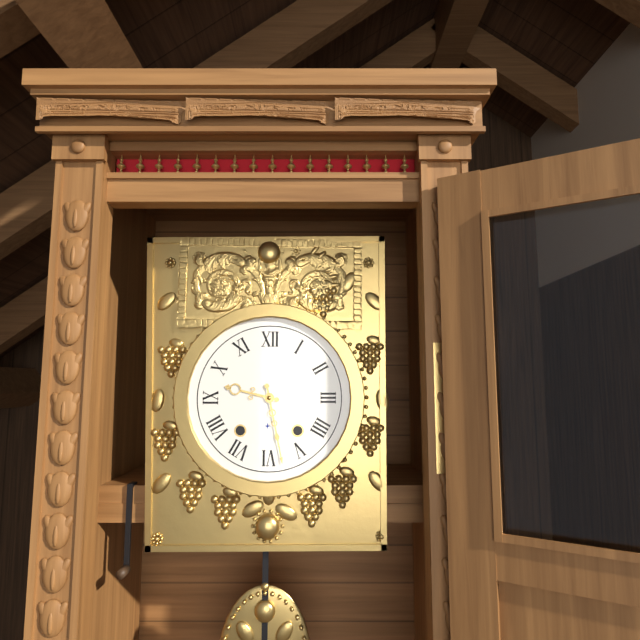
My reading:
**9:28**
